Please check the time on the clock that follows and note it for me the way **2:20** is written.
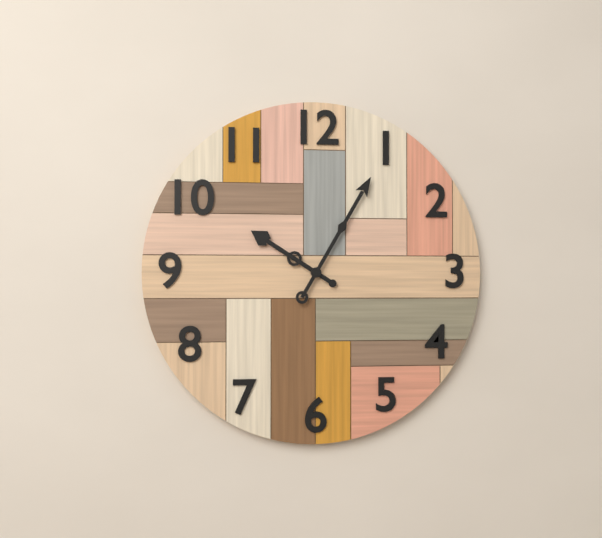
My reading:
**10:05**
